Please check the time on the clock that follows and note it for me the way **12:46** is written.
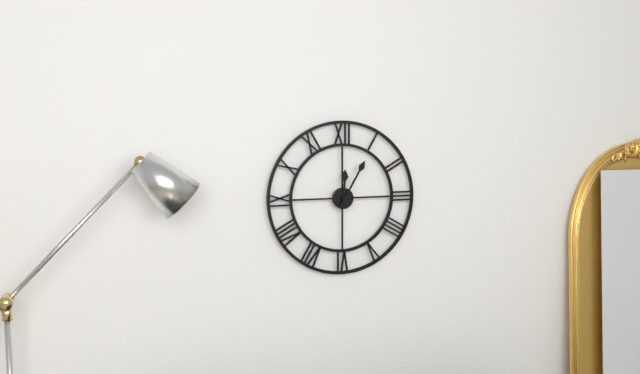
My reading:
**12:05**
